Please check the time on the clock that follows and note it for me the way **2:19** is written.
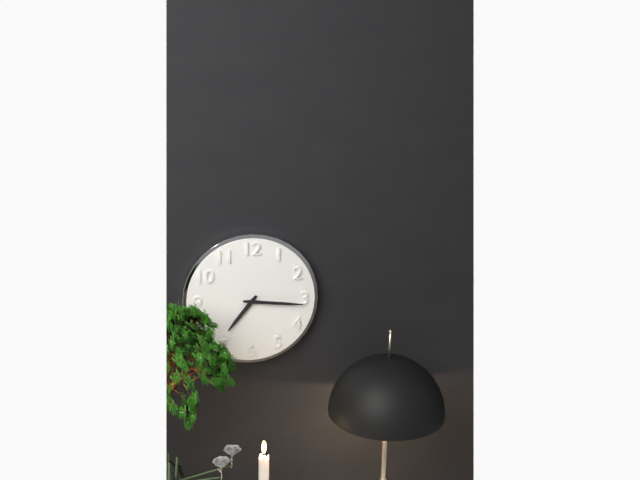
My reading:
**7:16**
